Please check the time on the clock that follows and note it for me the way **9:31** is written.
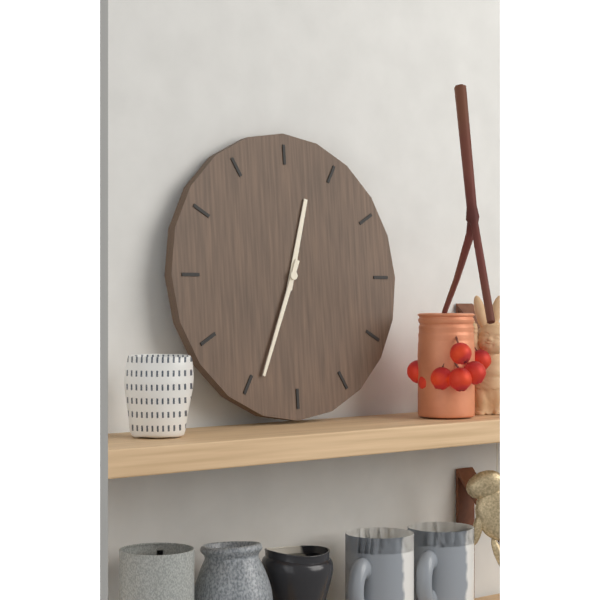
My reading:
**12:34**
